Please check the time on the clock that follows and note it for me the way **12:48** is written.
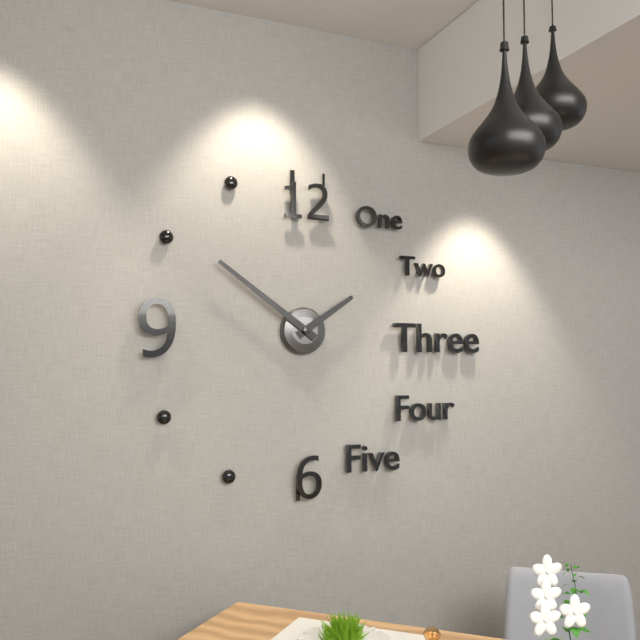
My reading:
**1:51**
